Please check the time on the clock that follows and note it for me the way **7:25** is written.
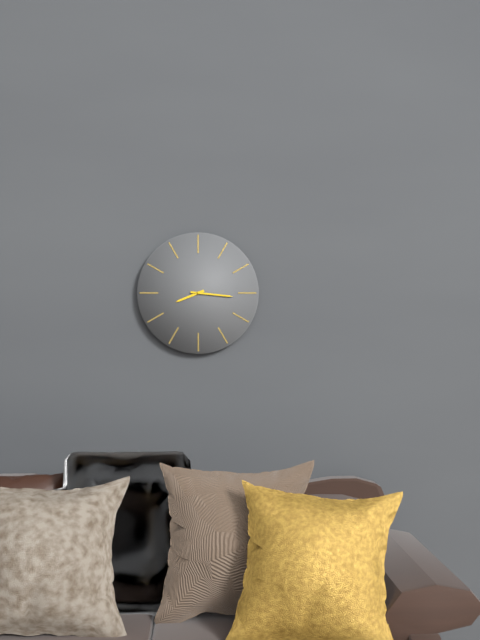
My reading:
**8:16**
